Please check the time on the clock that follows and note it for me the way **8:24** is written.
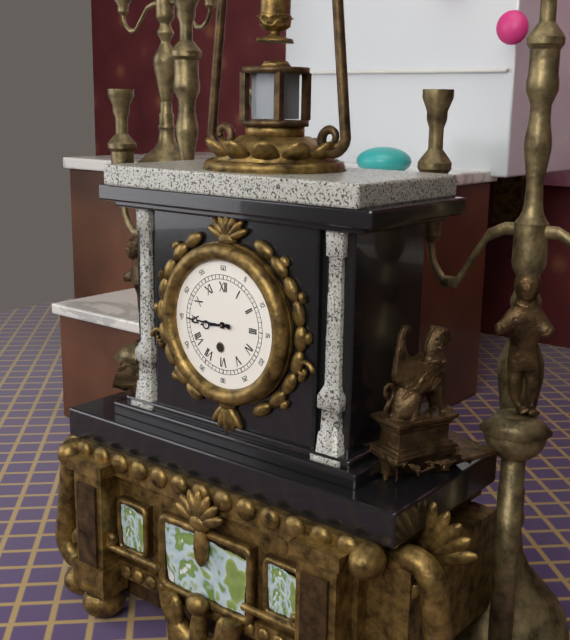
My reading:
**8:45**
